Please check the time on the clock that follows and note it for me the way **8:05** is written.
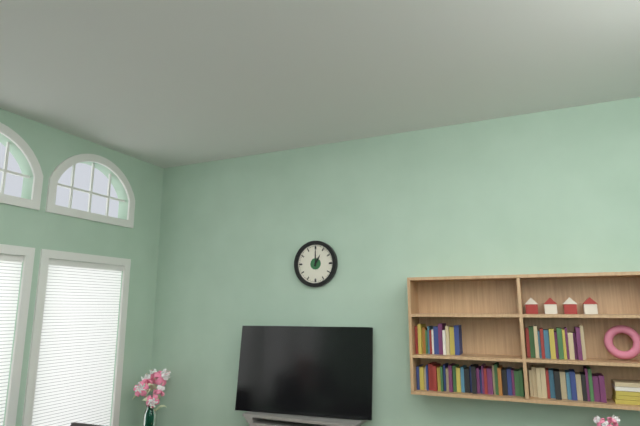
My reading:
**1:00**
